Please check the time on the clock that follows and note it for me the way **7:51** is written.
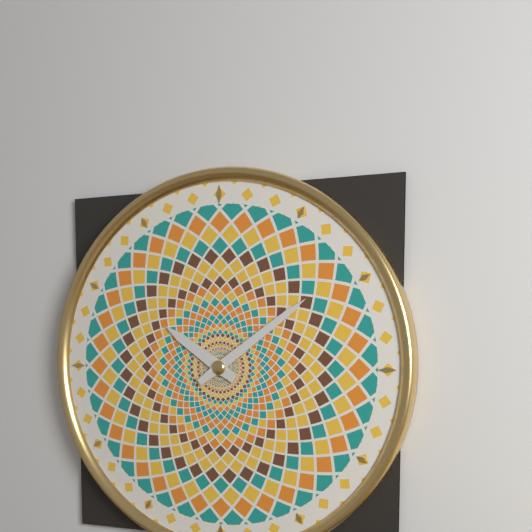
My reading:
**10:09**
